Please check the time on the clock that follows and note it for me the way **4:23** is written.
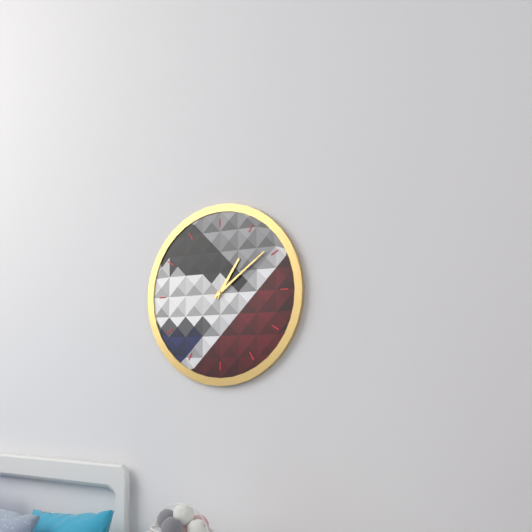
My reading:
**1:09**
